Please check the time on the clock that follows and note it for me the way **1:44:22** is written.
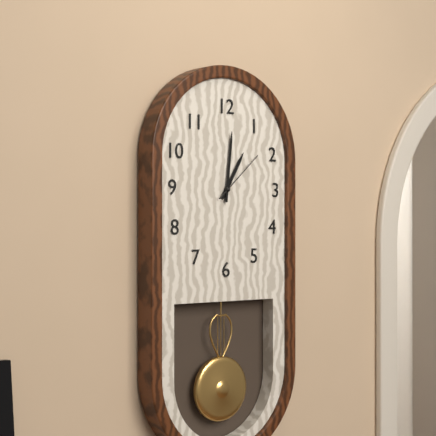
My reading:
**1:01:08**
